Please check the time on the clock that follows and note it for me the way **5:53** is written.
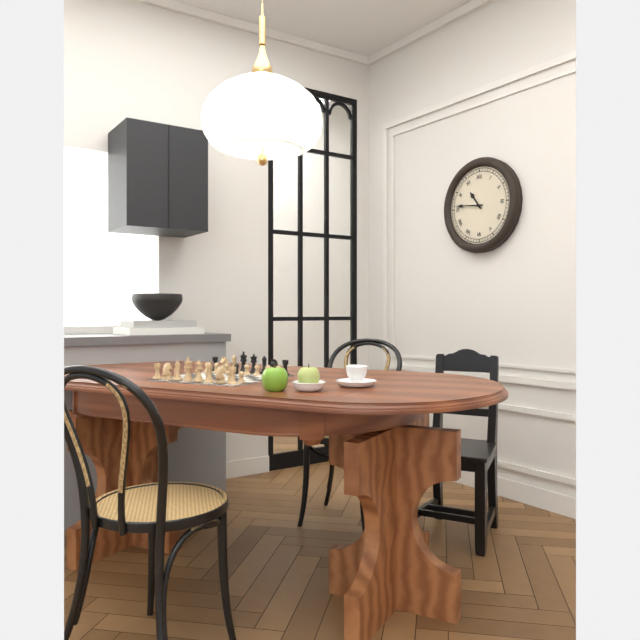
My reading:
**10:46**
